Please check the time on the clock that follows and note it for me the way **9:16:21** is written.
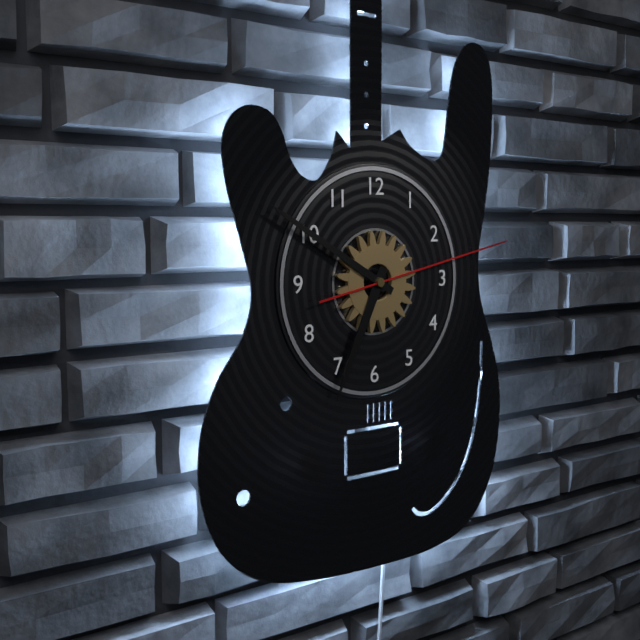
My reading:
**6:50:13**
